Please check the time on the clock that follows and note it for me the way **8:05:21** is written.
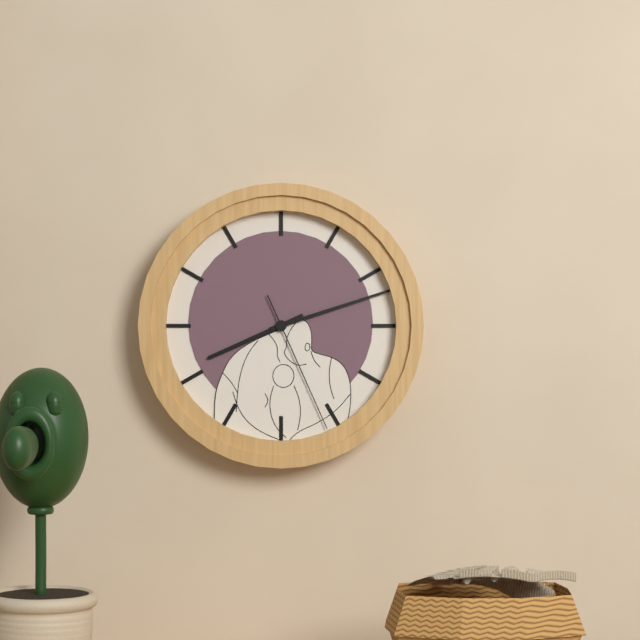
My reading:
**8:12:26**
